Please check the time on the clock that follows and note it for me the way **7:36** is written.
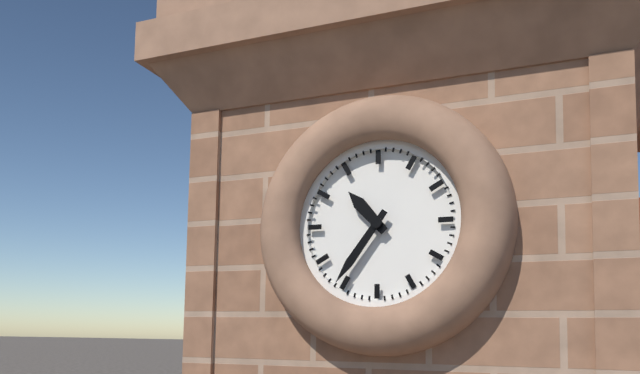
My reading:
**10:36**
